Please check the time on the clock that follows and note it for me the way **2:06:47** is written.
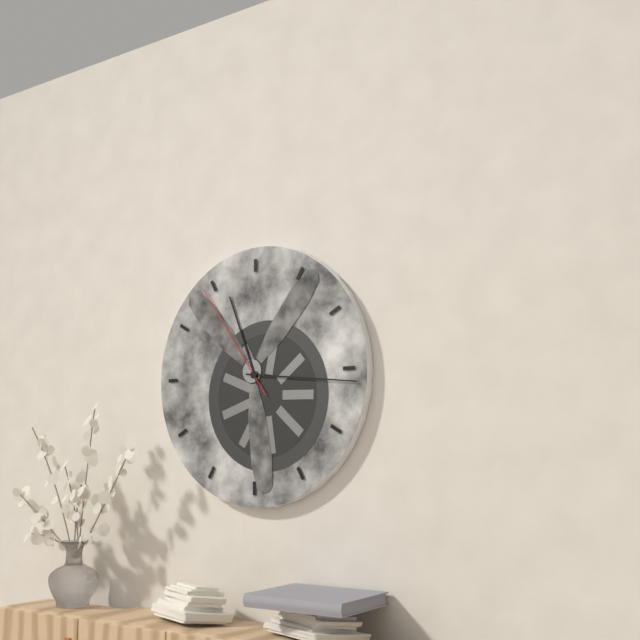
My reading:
**11:16:54**
